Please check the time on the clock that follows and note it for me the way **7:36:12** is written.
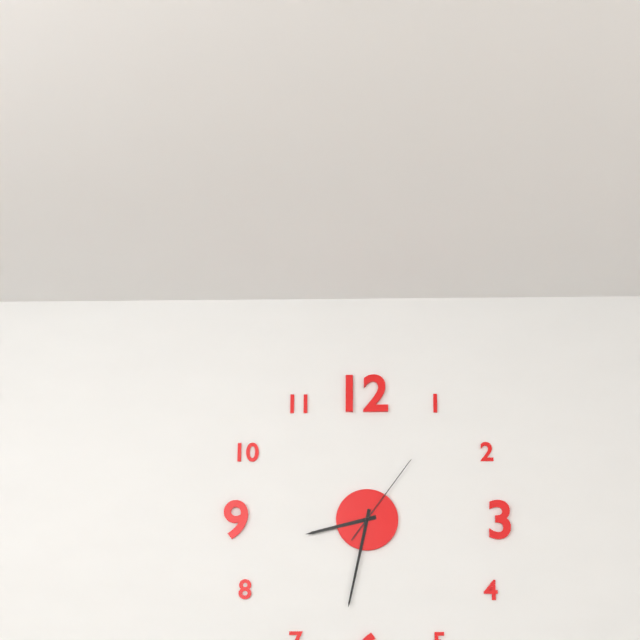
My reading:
**8:32:06**
